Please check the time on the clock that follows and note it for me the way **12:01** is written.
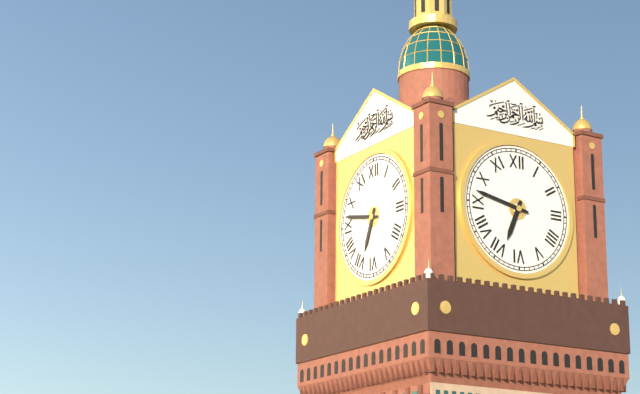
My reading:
**6:47**
